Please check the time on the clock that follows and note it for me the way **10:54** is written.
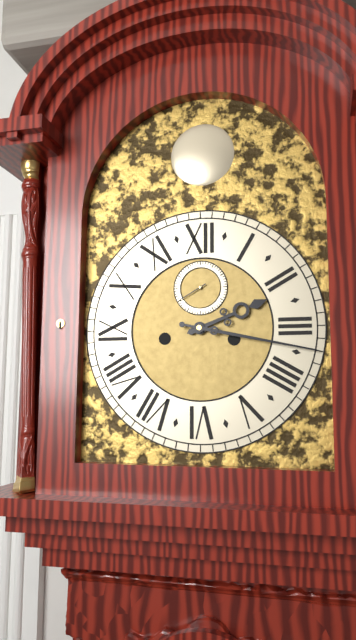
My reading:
**2:17**
